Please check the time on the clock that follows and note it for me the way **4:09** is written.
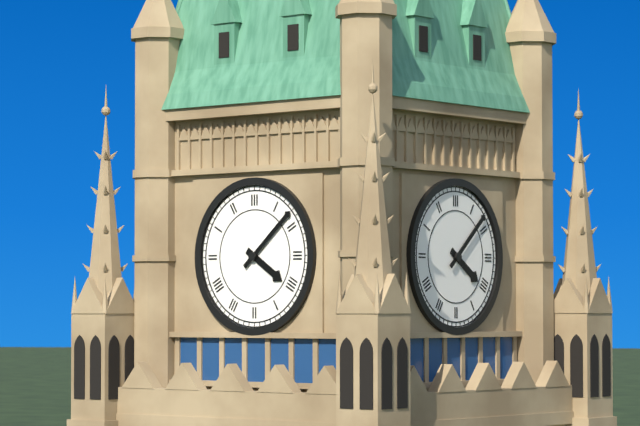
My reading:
**4:08**
